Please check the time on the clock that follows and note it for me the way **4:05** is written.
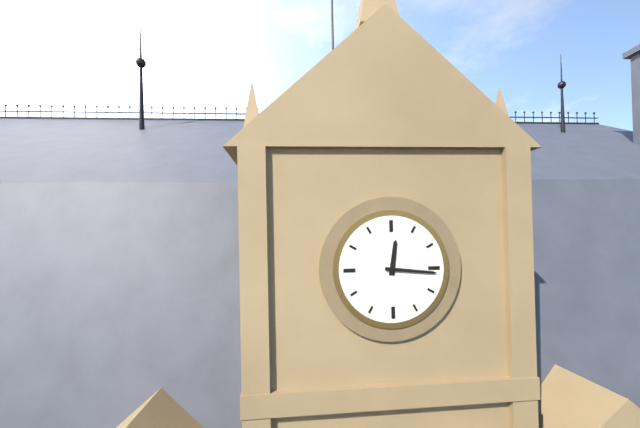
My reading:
**12:16**
